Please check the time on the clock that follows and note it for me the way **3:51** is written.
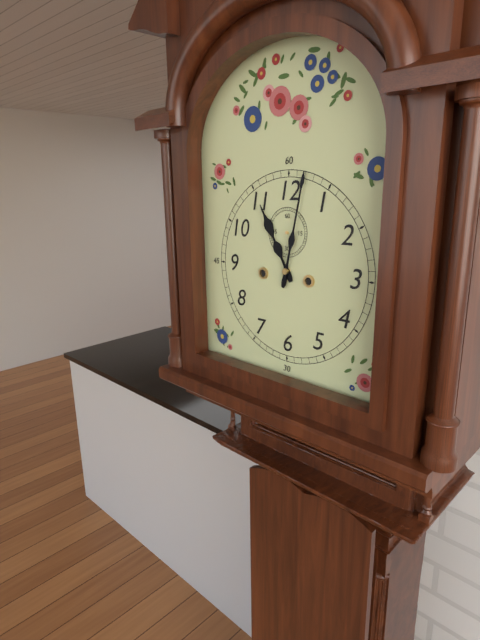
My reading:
**11:02**
